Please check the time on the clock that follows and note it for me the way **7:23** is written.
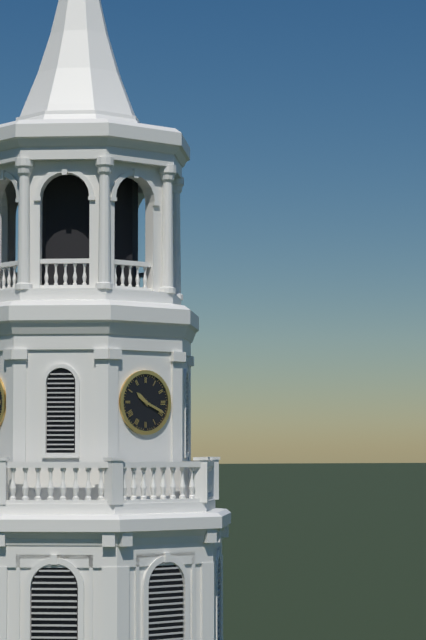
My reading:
**10:19**
